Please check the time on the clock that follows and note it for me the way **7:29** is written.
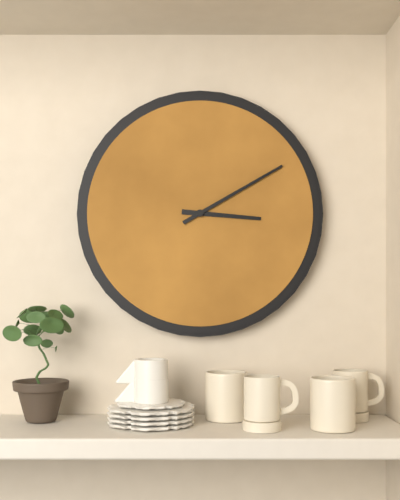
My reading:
**3:10**
